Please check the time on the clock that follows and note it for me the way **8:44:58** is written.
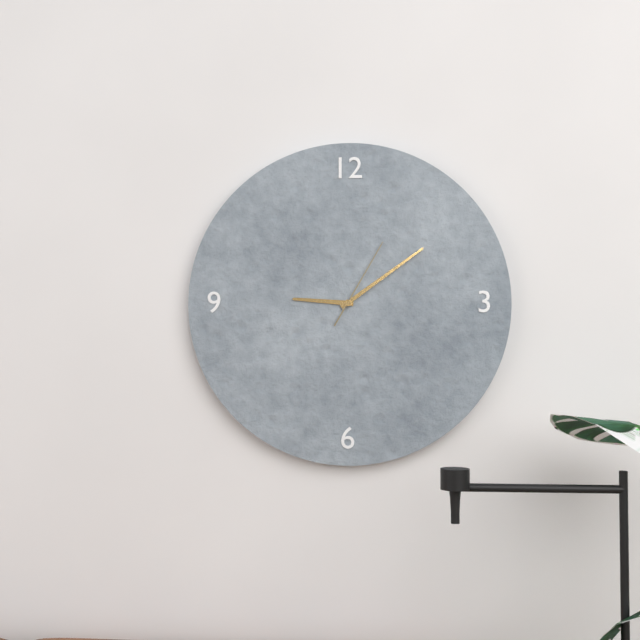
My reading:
**9:09:05**
